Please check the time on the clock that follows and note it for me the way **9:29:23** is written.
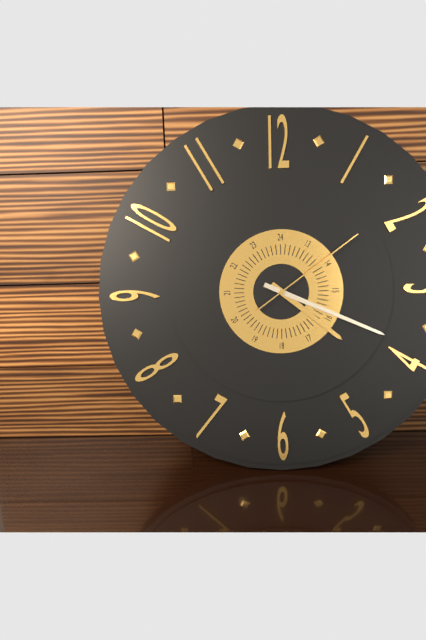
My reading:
**4:19:09**
